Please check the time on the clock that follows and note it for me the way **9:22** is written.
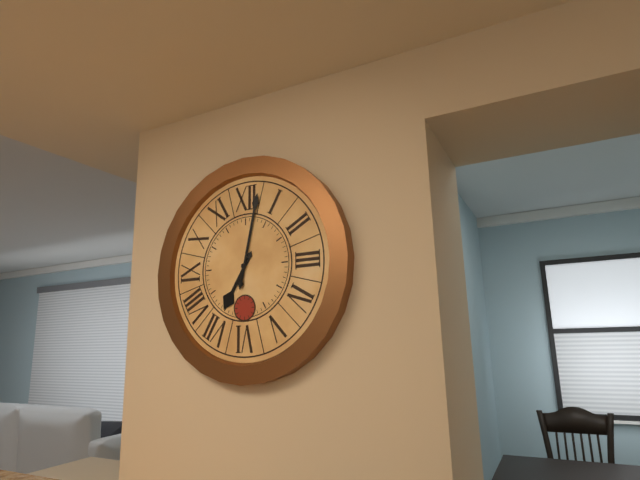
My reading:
**7:02**
